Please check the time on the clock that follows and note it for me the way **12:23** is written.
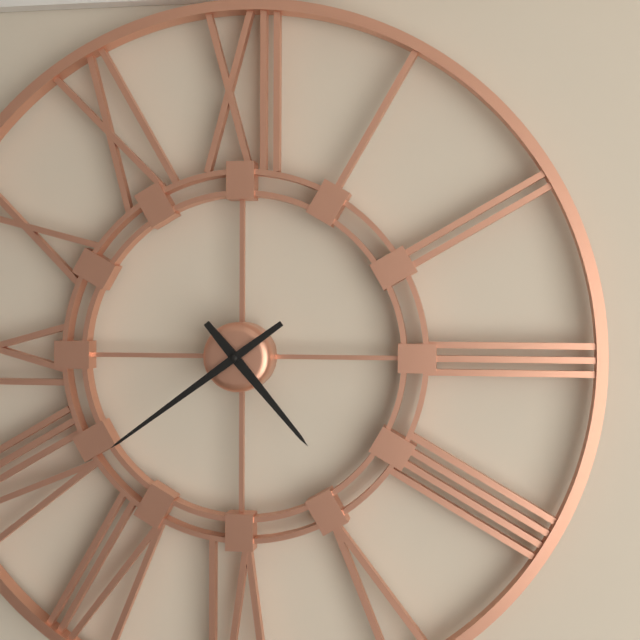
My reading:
**4:39**
